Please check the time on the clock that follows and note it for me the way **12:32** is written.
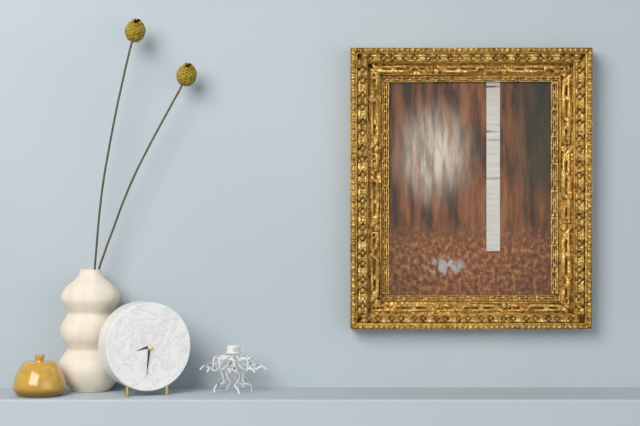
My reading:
**8:31**
